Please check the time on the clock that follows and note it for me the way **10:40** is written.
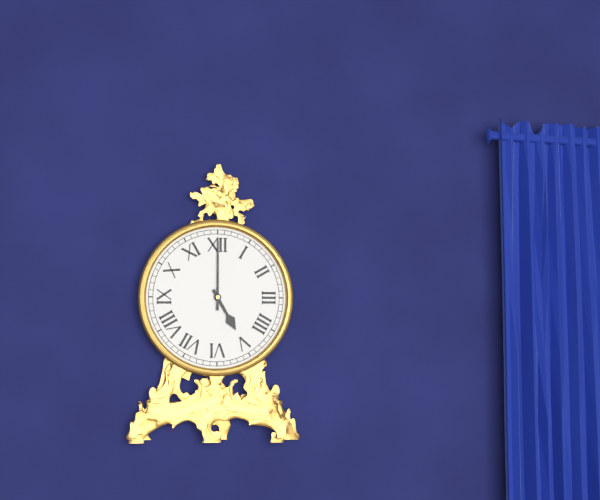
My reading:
**5:00**
